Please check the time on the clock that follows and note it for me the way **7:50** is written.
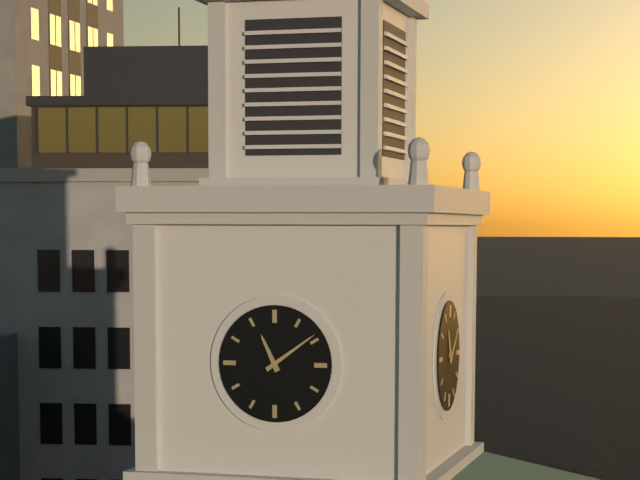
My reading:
**11:09**
